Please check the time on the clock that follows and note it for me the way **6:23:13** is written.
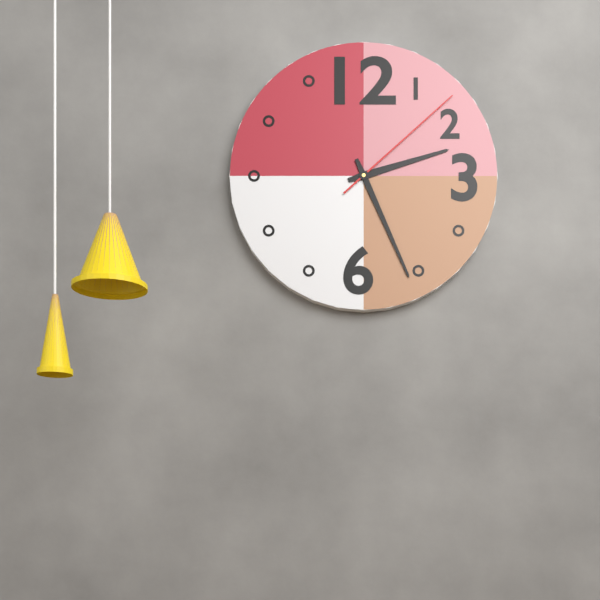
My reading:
**2:26:08**
